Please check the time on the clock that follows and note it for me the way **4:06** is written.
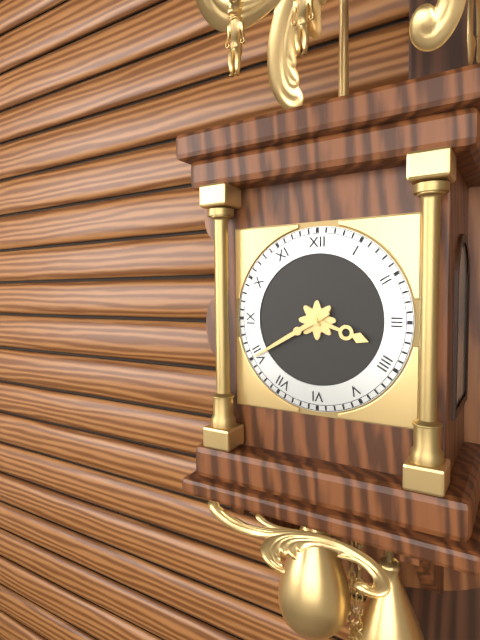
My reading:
**3:40**
